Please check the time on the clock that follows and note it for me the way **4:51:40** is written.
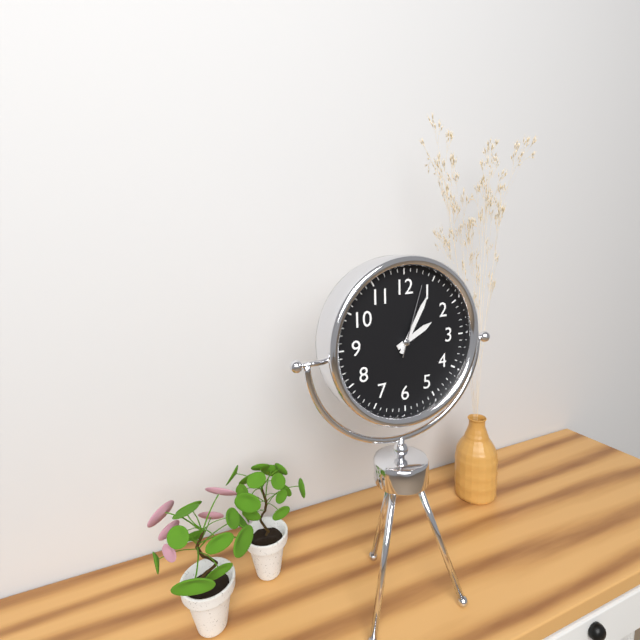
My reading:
**2:05:03**
